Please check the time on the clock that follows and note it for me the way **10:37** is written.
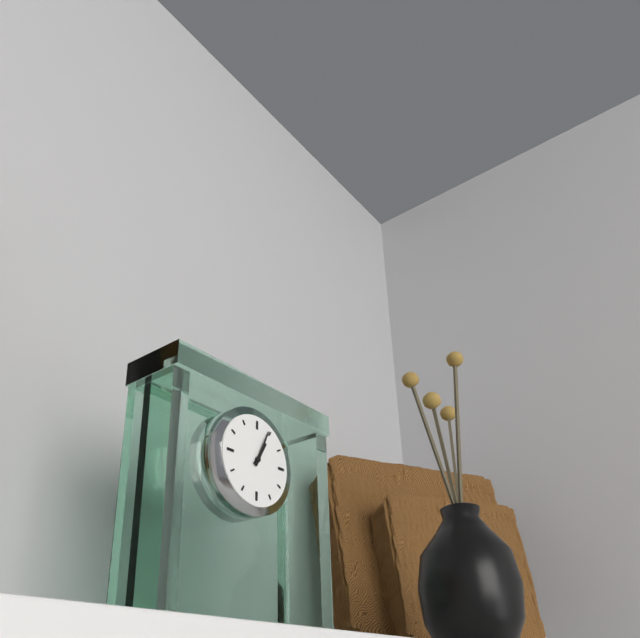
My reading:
**1:04**
